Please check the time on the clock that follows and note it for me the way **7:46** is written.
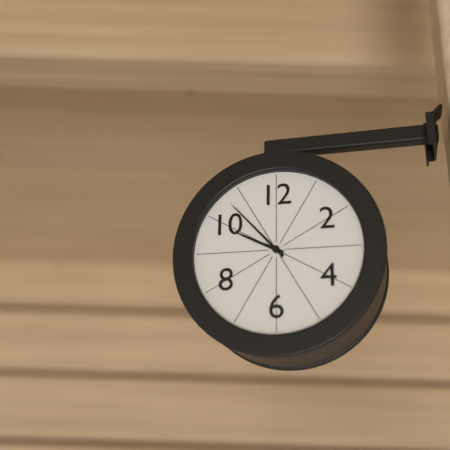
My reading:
**9:53**
